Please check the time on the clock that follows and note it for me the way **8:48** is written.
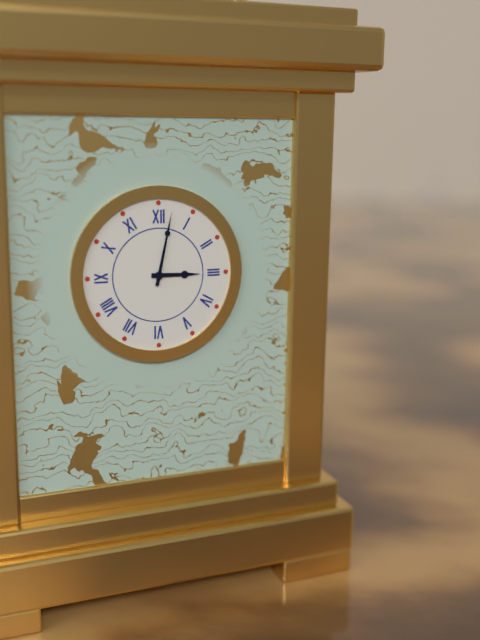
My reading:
**3:02**
